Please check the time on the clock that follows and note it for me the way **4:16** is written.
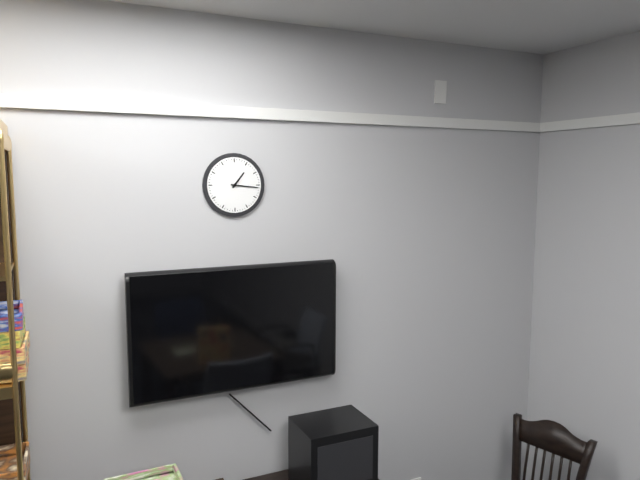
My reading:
**1:16**
